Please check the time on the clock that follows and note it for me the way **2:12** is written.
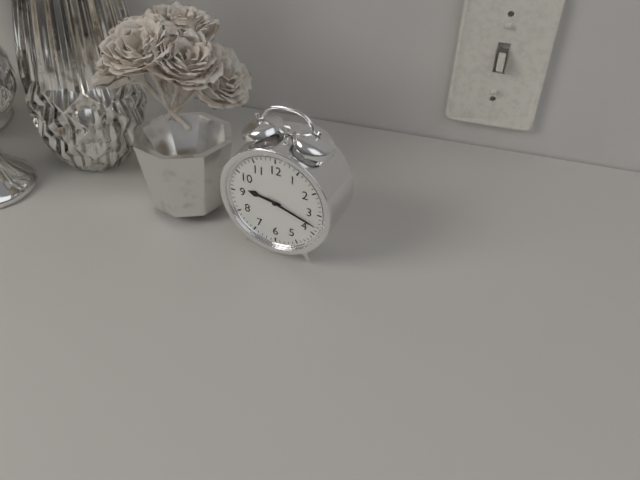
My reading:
**9:18**
